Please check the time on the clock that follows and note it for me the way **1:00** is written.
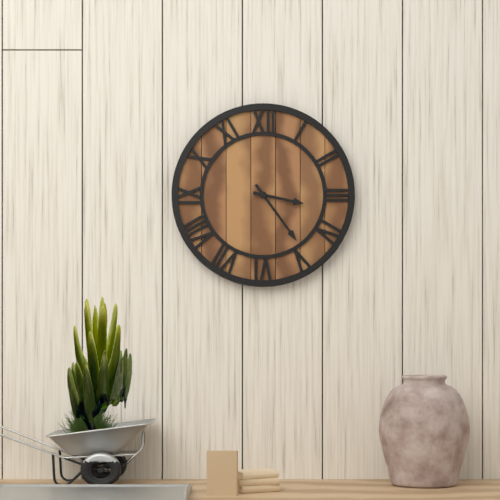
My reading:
**3:24**
